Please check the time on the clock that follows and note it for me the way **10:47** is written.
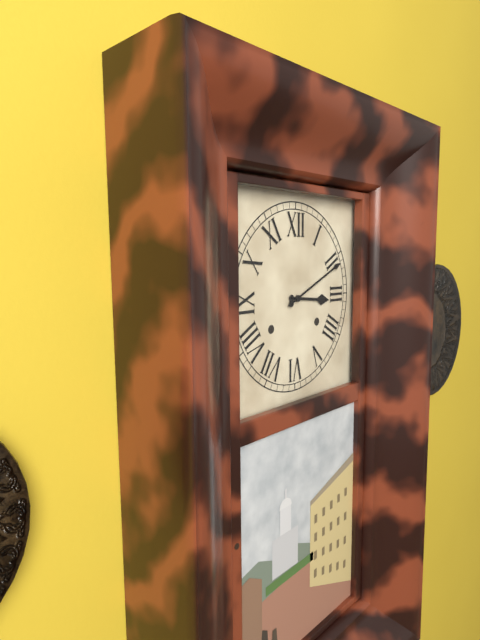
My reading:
**3:11**
